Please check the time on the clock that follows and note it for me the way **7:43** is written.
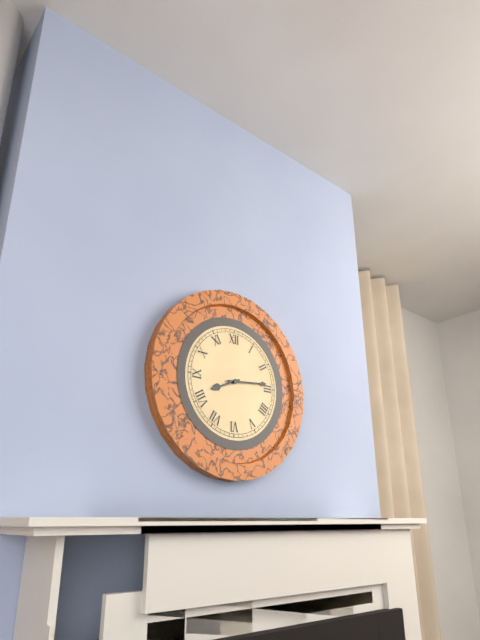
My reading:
**8:14**
